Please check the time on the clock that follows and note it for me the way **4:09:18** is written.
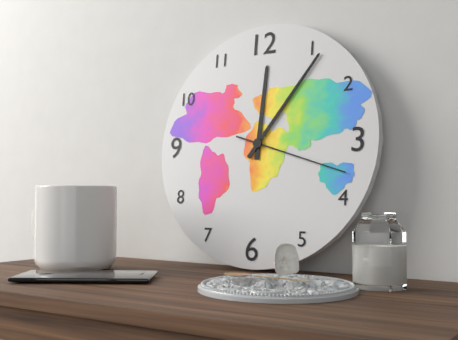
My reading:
**12:06:18**
